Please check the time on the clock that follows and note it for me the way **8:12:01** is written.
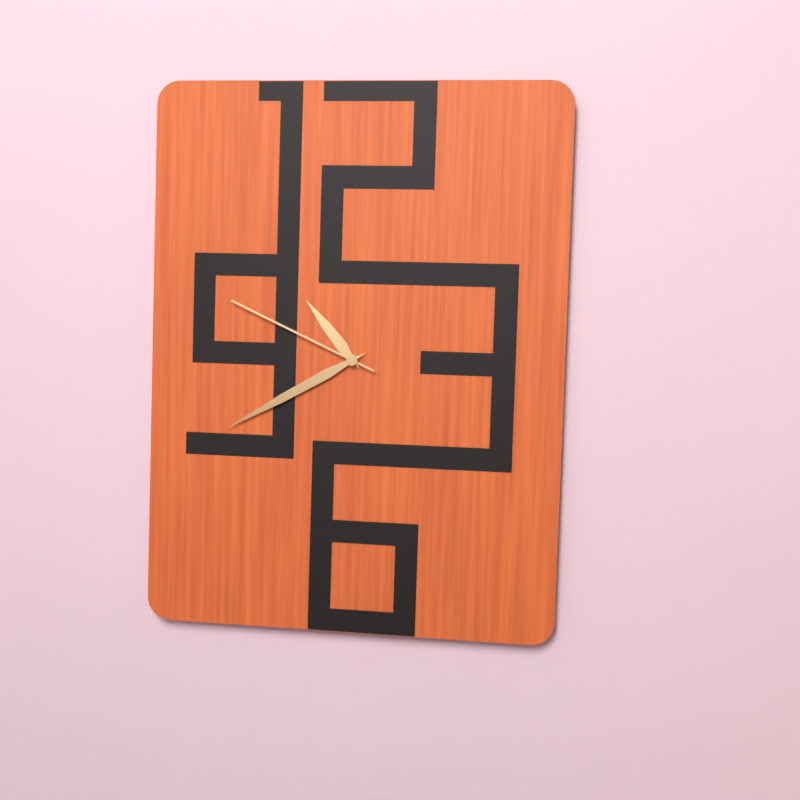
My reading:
**10:40:49**
